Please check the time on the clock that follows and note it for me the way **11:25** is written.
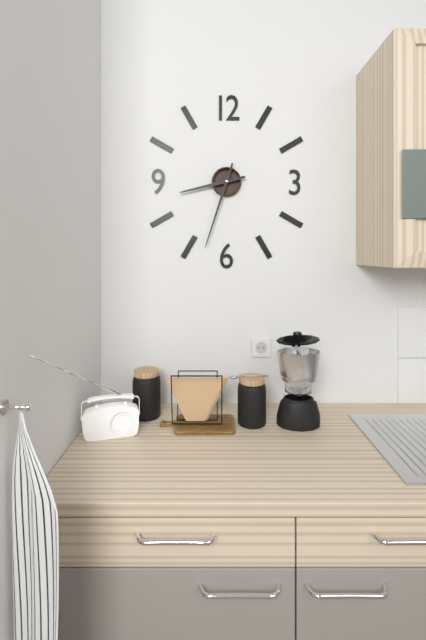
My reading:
**8:33**
